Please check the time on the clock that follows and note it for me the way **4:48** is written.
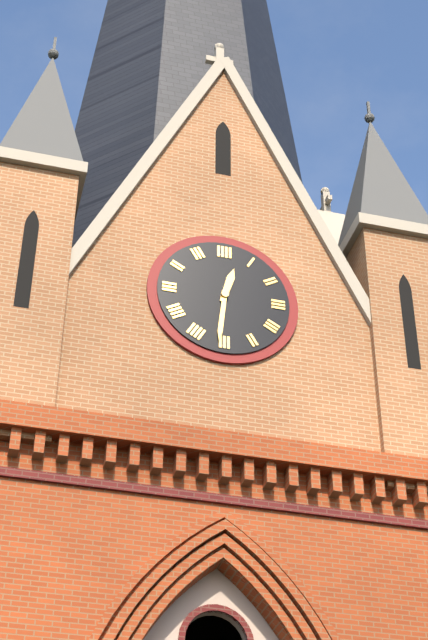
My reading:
**12:31**
